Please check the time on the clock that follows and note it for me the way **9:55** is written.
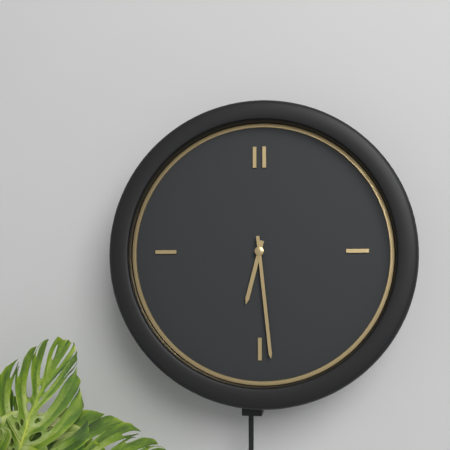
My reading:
**6:29**
